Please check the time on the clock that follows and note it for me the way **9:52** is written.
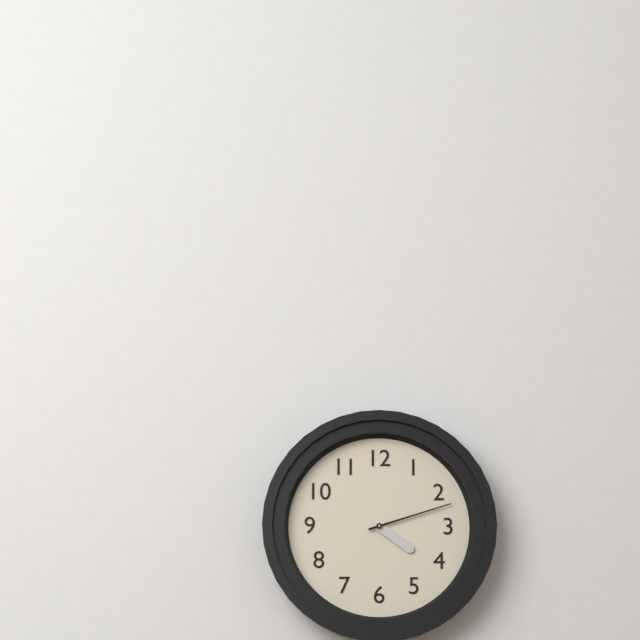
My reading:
**4:12**
